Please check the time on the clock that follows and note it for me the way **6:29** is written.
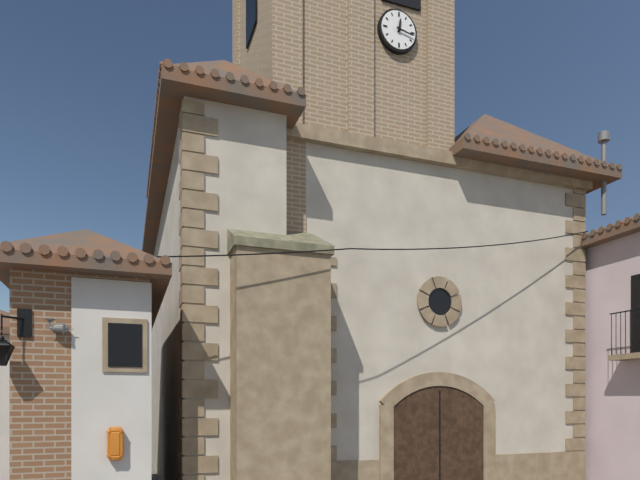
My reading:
**12:17**
